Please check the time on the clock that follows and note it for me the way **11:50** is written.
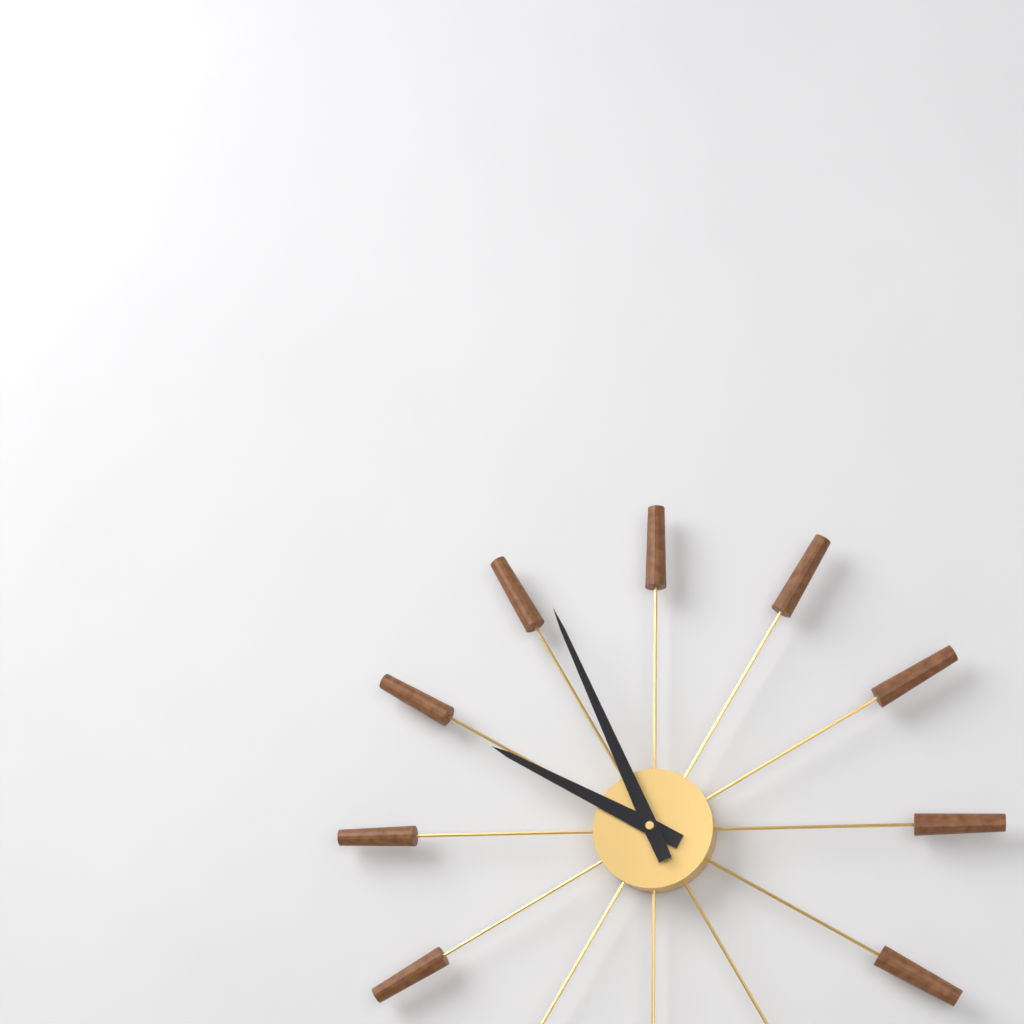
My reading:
**9:56**
